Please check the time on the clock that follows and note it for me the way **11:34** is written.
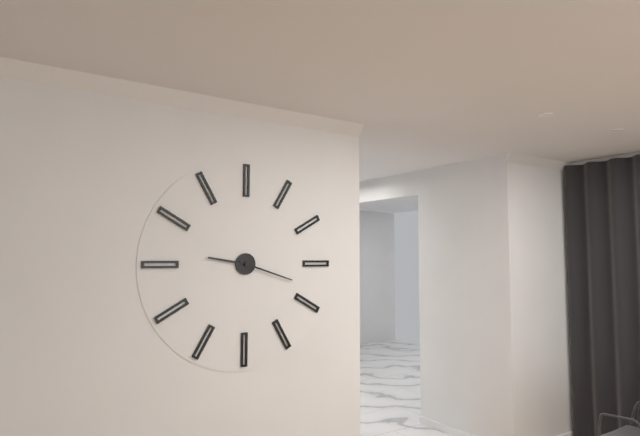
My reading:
**9:18**
